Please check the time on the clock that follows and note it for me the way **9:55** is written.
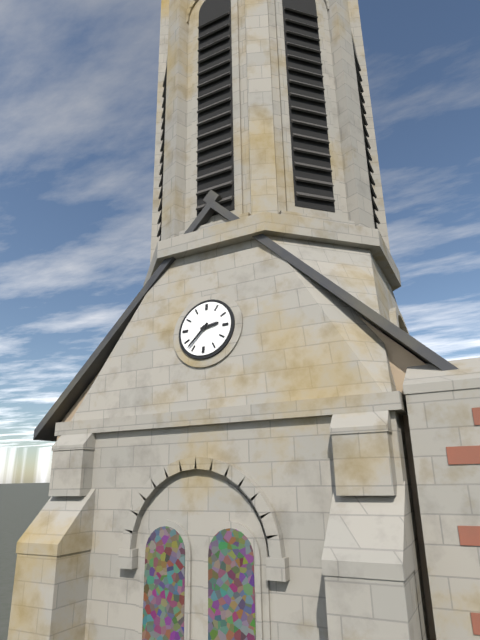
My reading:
**2:37**
